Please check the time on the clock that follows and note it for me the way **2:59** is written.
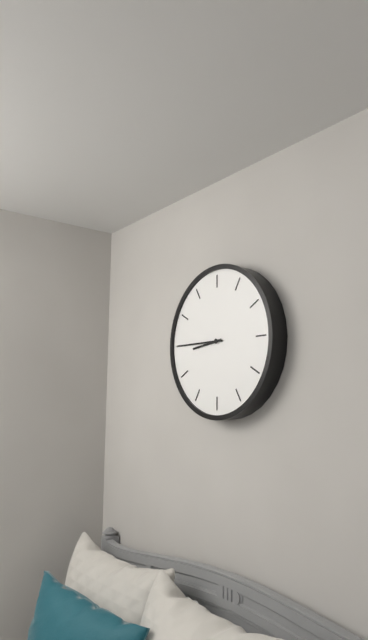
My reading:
**8:45**
